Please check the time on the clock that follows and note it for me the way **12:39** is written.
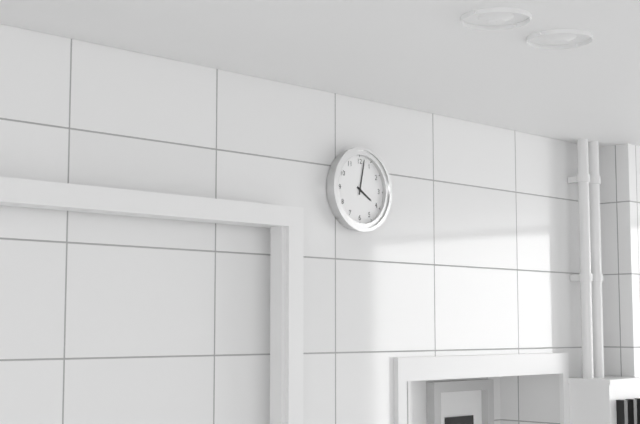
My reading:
**4:02**
